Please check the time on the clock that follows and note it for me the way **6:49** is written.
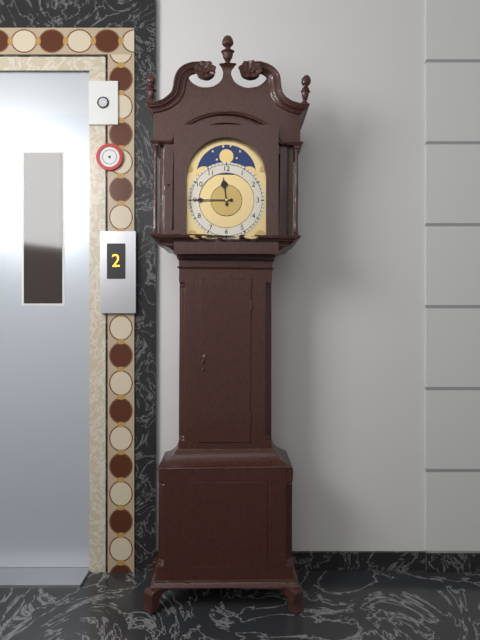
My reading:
**11:45**
